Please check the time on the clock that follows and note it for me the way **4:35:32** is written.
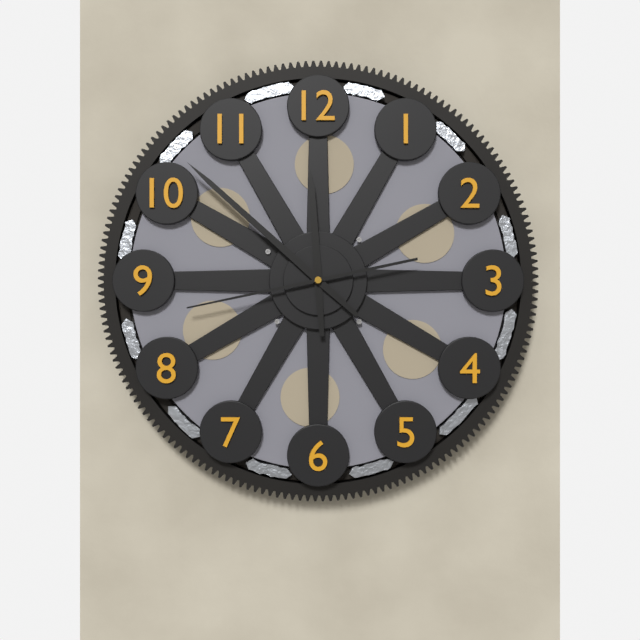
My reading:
**11:52:43**
